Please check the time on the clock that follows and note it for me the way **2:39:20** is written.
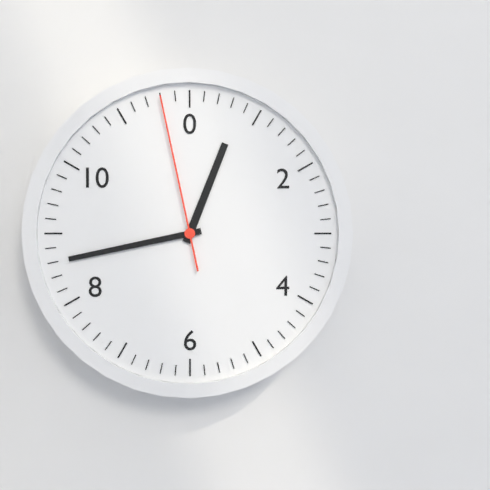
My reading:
**12:43:58**
